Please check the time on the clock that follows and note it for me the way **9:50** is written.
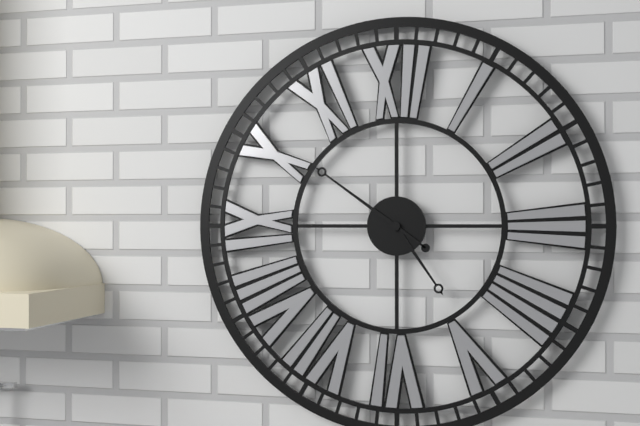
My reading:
**4:51**
